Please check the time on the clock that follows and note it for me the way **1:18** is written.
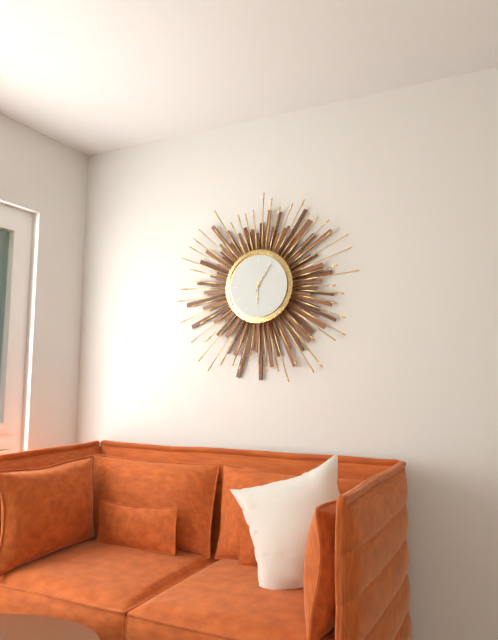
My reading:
**6:06**
